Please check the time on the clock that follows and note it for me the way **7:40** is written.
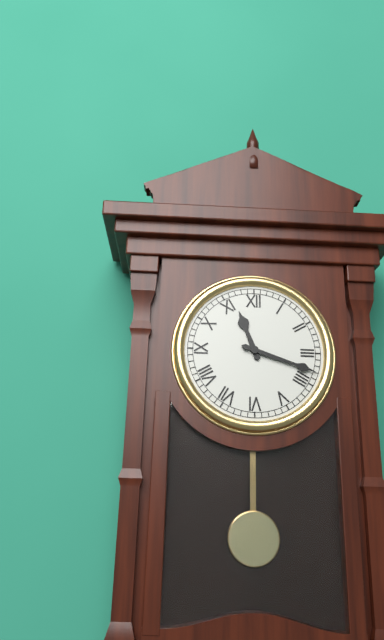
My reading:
**11:18**
